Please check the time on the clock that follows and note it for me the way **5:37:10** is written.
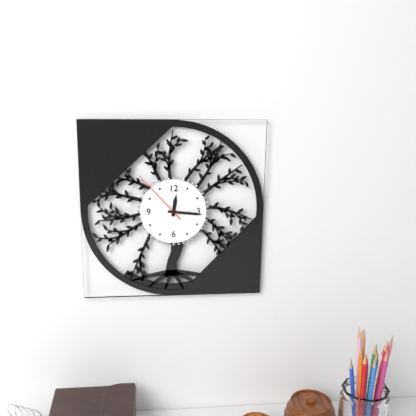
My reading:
**12:16:53**
